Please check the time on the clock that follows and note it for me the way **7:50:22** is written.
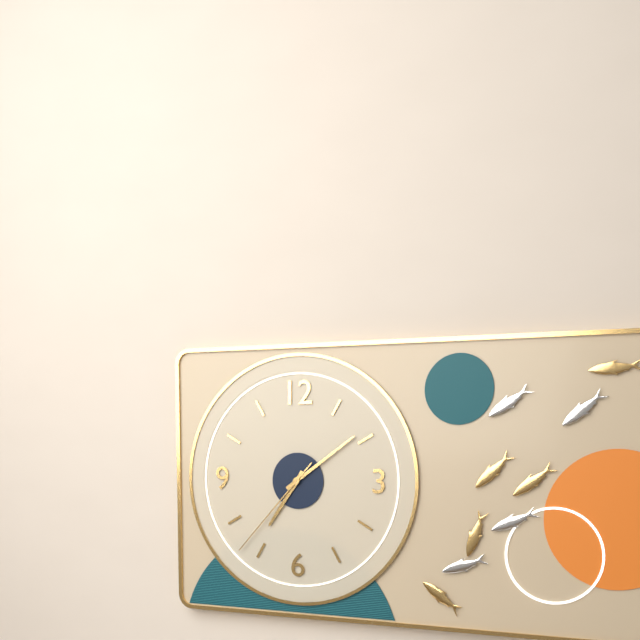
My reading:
**7:09:37**
